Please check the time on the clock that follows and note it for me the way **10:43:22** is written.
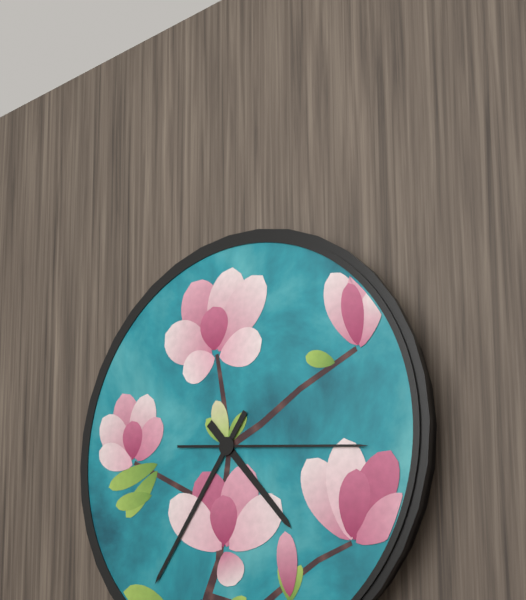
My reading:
**4:36:16**
